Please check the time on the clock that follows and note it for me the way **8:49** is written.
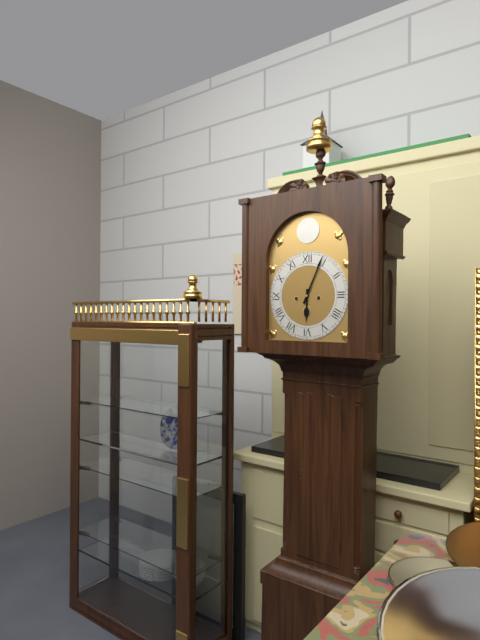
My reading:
**6:04**
